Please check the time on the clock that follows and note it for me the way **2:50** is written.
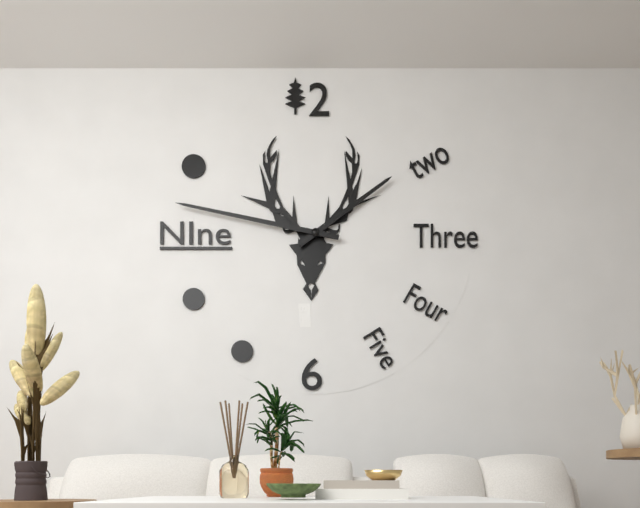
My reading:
**1:47**
